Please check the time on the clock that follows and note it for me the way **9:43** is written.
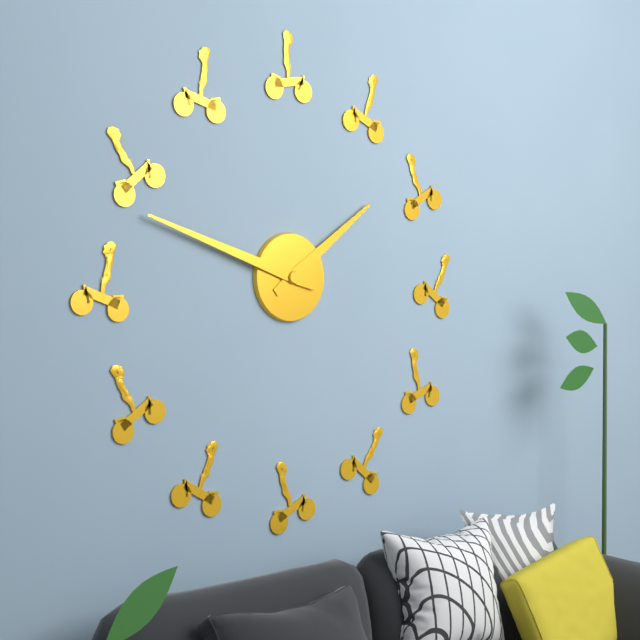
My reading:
**1:48**
